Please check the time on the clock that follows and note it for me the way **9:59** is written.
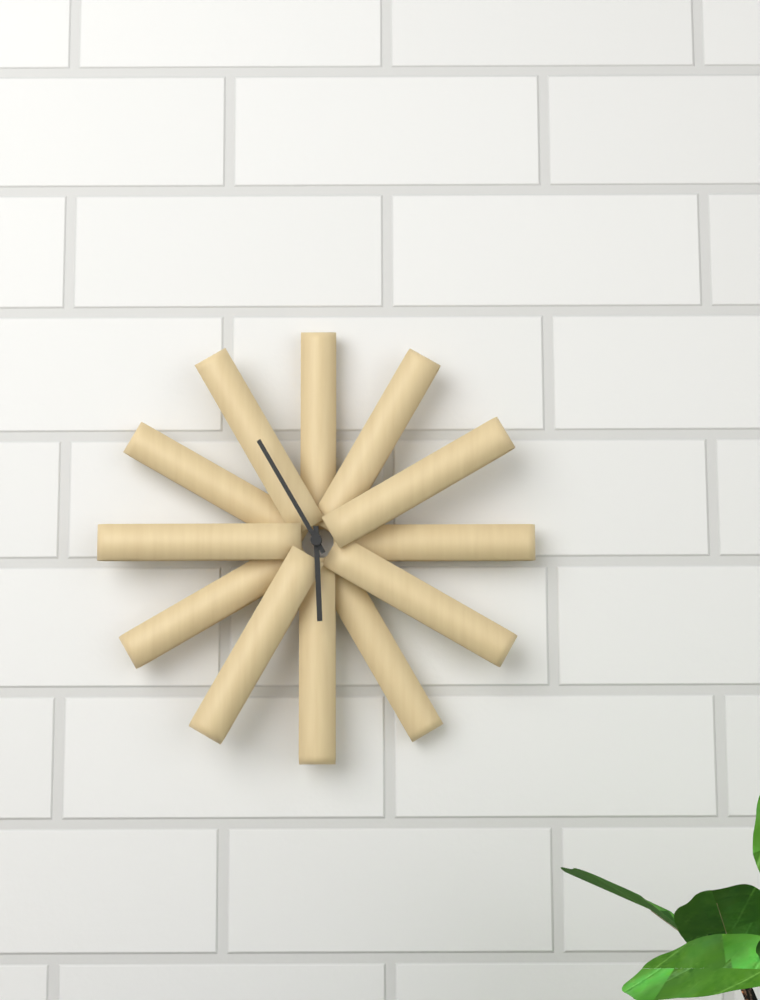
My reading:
**5:55**
